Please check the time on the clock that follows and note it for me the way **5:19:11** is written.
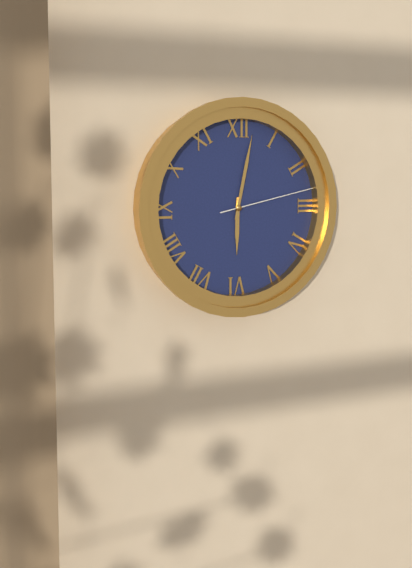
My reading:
**6:02:13**
